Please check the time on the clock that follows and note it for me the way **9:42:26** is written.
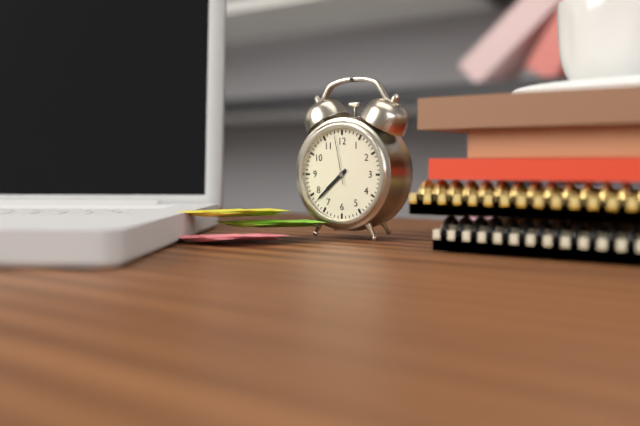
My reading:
**7:38:58**
